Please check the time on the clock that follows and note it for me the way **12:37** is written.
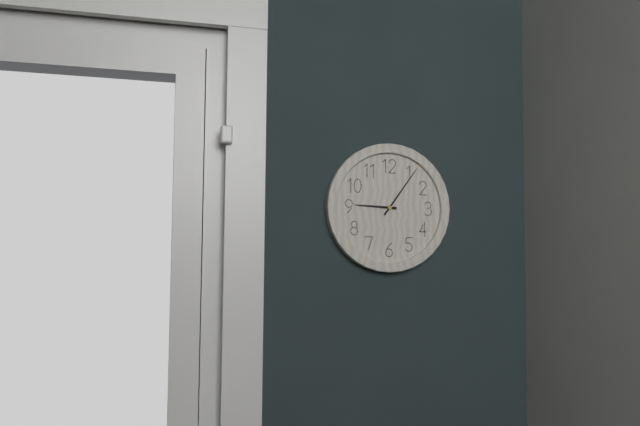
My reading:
**9:06**
